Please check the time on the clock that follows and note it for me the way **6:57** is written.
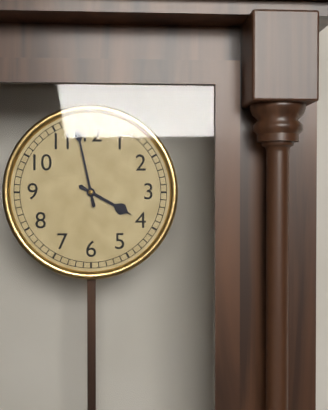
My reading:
**3:58**
